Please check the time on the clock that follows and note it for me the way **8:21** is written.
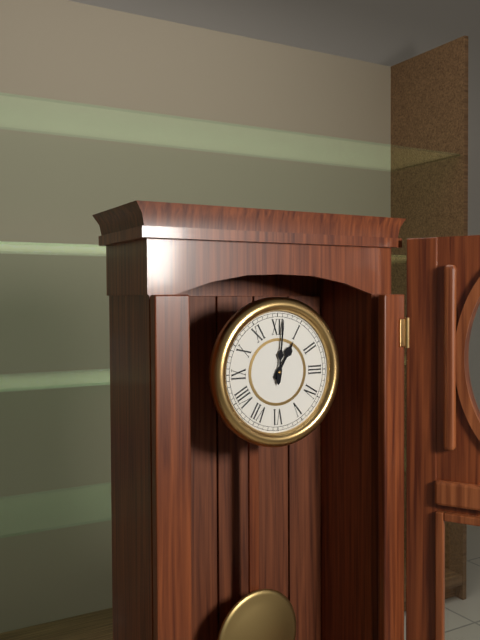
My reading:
**1:01**
